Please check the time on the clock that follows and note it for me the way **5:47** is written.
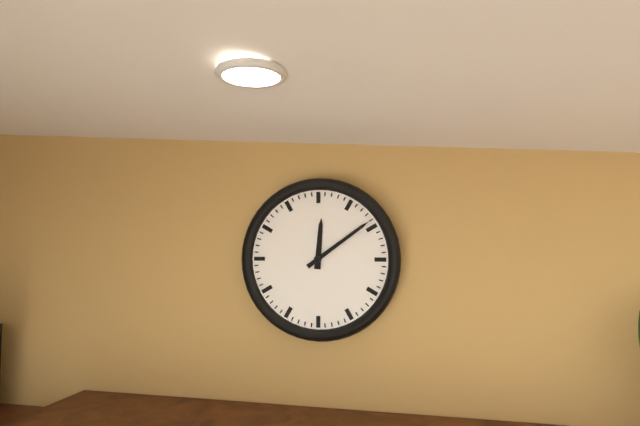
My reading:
**12:09**
